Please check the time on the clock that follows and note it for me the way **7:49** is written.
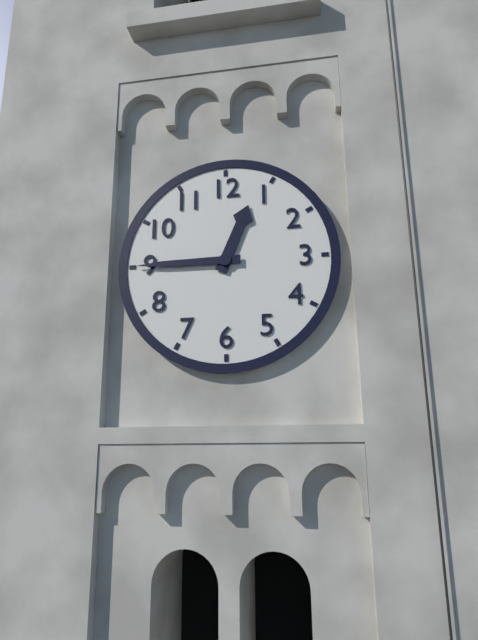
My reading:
**12:45**
